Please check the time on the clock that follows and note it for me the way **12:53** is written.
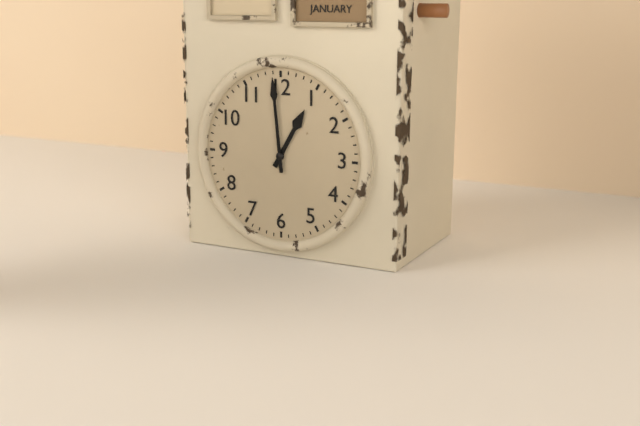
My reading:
**12:59**
